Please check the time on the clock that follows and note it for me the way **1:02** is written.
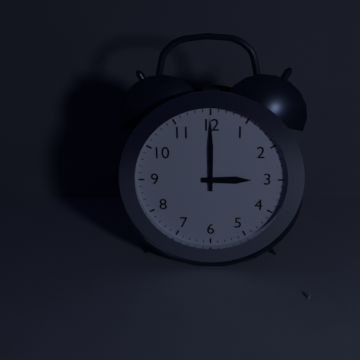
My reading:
**3:00**
